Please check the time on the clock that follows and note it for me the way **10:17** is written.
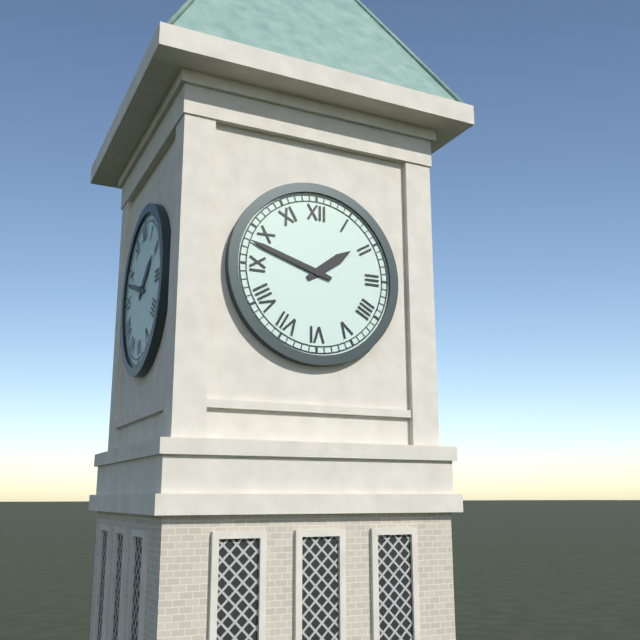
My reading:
**1:48**
